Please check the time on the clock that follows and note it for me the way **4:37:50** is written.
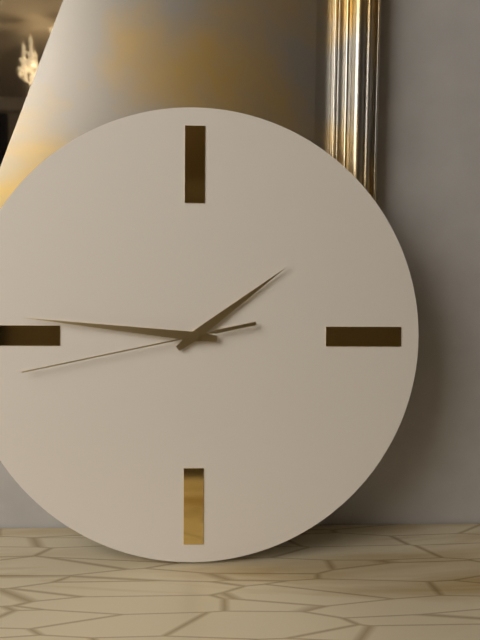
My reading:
**1:46:43**
